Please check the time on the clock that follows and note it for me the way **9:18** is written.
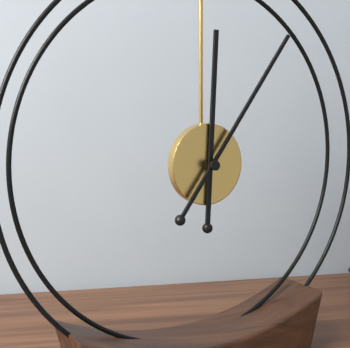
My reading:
**12:06**
